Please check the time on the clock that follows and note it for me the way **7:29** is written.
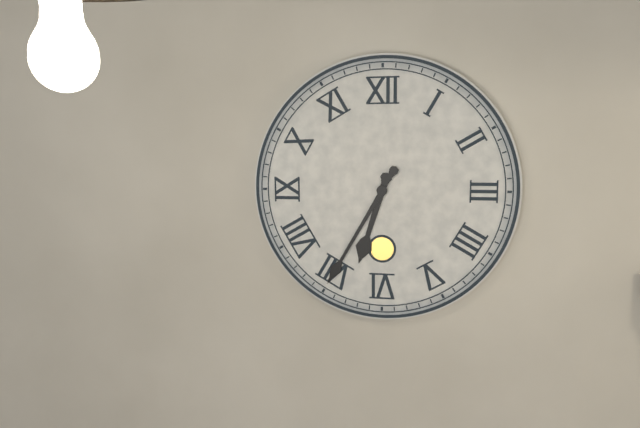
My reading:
**6:35**
